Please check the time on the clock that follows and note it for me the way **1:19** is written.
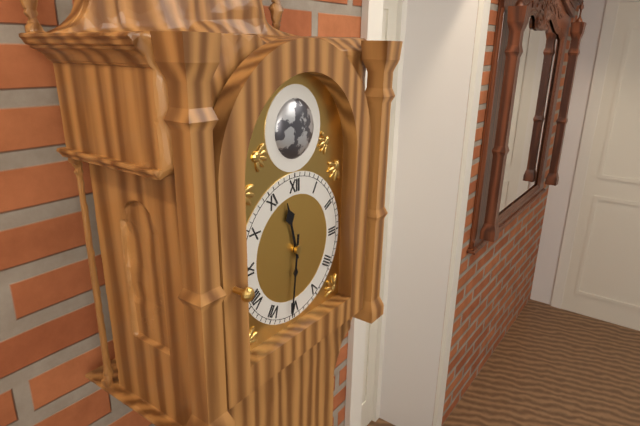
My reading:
**11:31**
